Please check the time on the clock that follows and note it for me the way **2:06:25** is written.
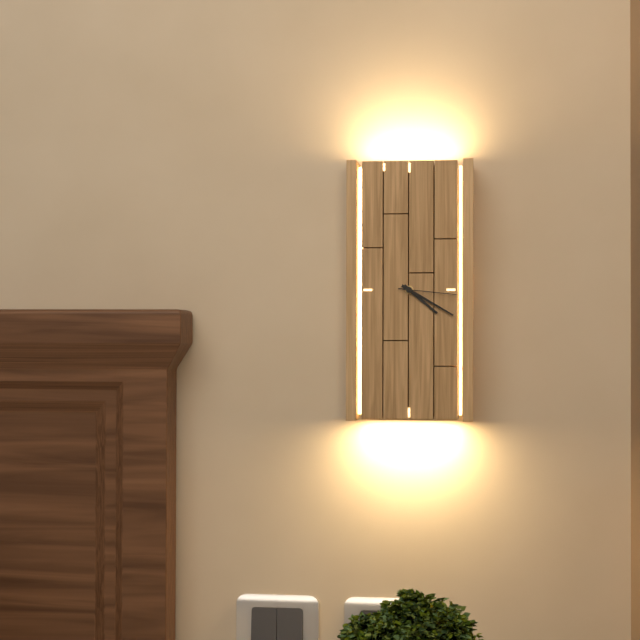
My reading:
**4:20:16**
